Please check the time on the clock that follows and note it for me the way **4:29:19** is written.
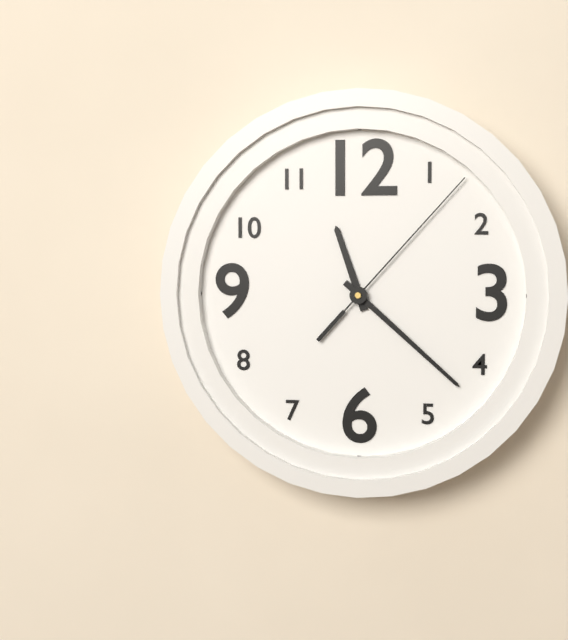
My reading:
**11:22:07**
